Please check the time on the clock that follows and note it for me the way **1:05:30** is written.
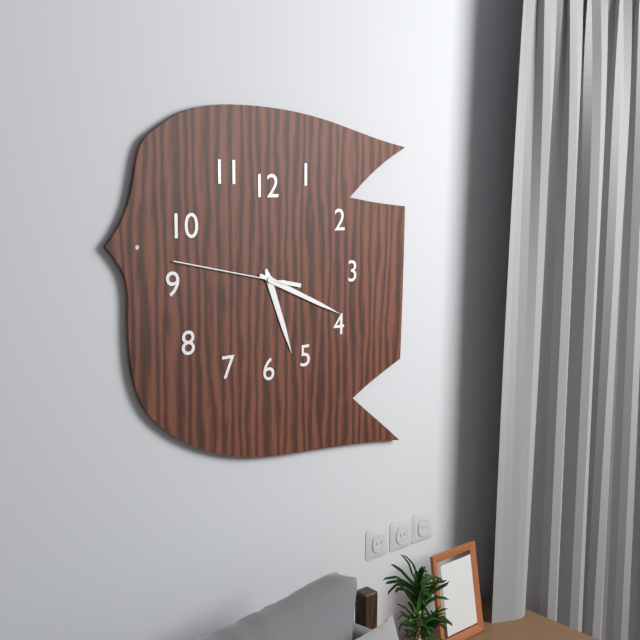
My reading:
**5:19:47**
